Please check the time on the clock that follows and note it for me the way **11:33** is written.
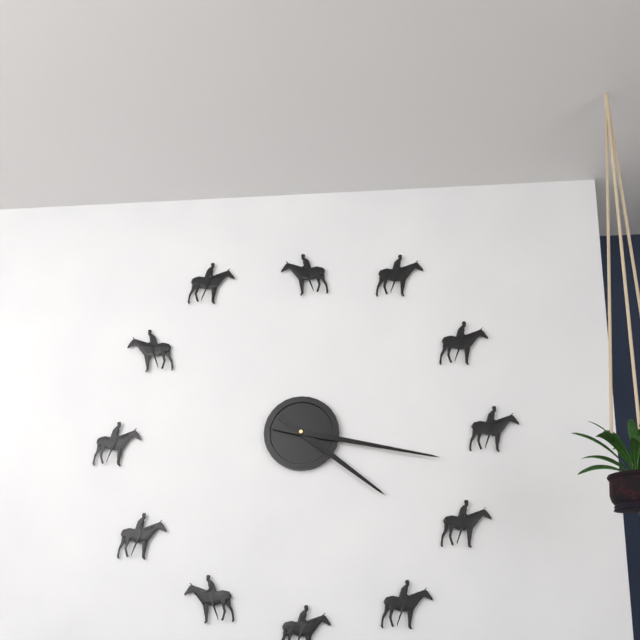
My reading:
**4:17**
